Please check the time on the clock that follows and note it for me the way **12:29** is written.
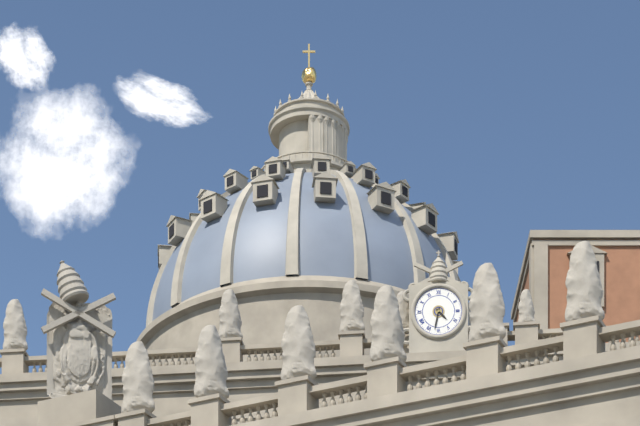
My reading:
**4:32**
